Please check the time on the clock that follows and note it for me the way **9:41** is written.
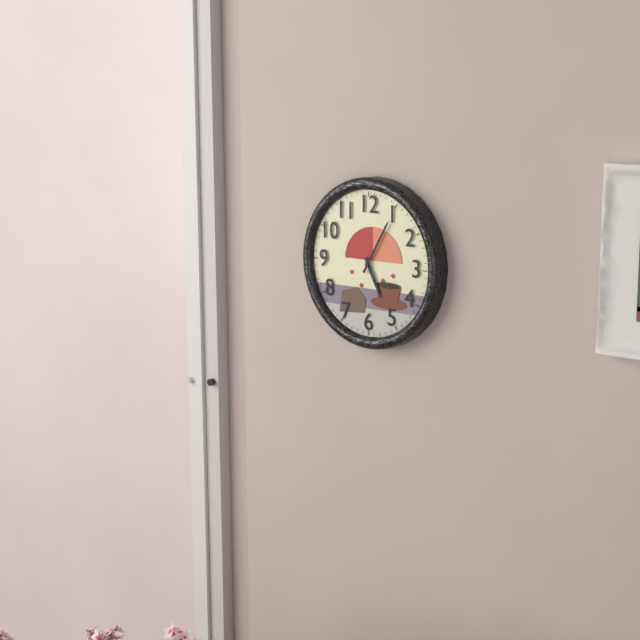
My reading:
**5:05**
